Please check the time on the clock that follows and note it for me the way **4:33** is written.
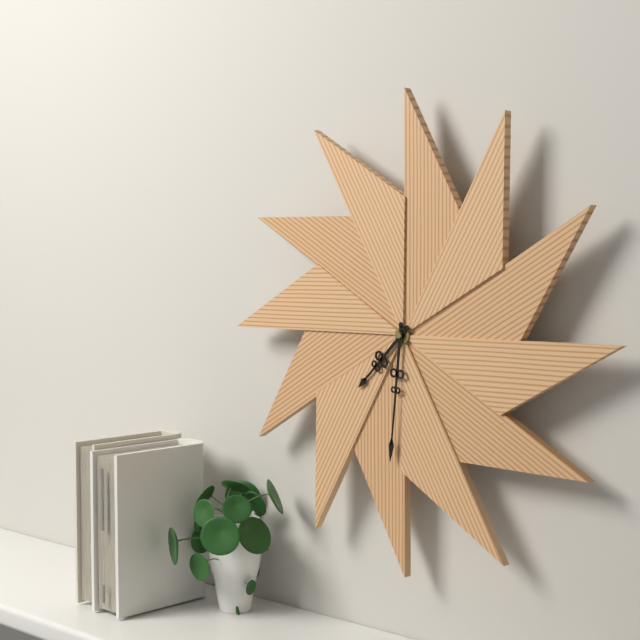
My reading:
**7:31**
